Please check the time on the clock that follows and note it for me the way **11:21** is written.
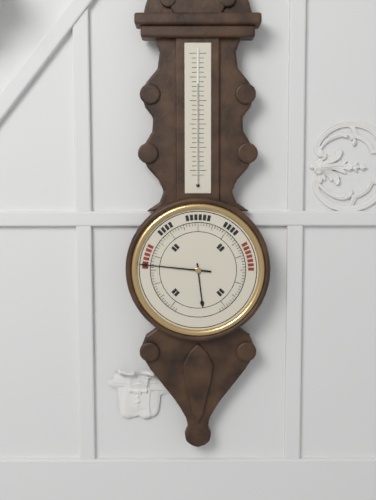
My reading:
**5:46**
